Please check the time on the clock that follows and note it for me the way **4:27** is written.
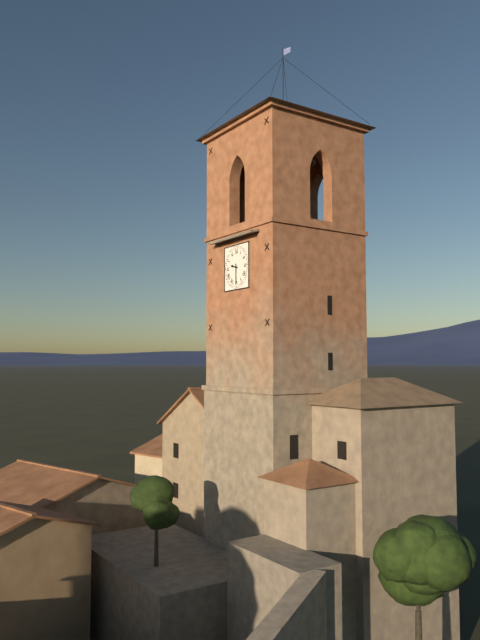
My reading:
**9:30**
